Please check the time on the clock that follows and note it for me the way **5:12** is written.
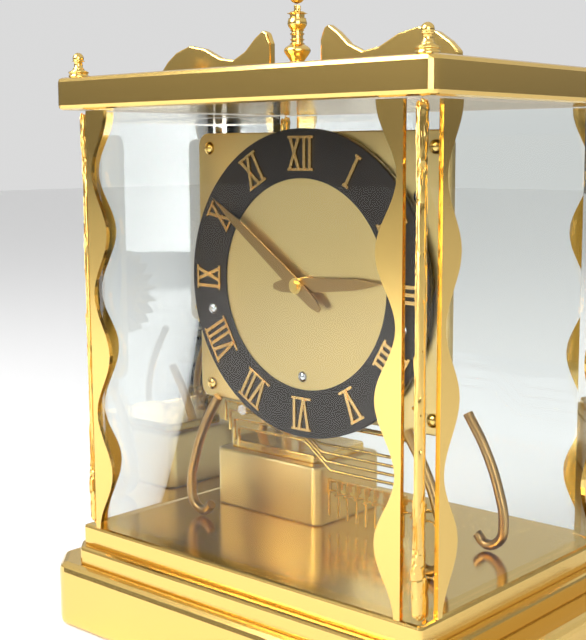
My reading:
**2:51**
